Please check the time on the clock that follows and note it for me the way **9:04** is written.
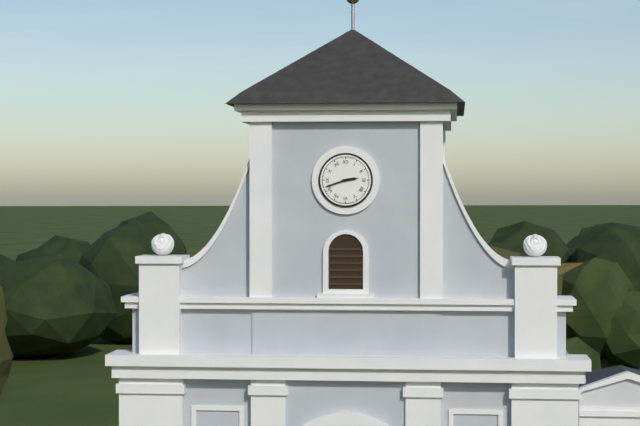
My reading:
**2:42**
